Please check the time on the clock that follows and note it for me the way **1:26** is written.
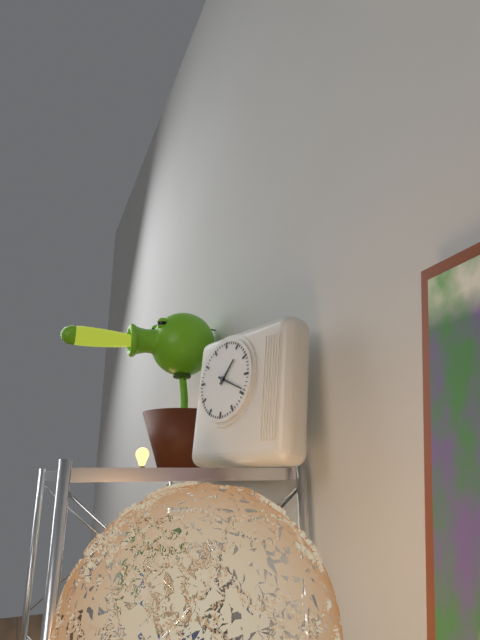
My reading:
**1:19**
